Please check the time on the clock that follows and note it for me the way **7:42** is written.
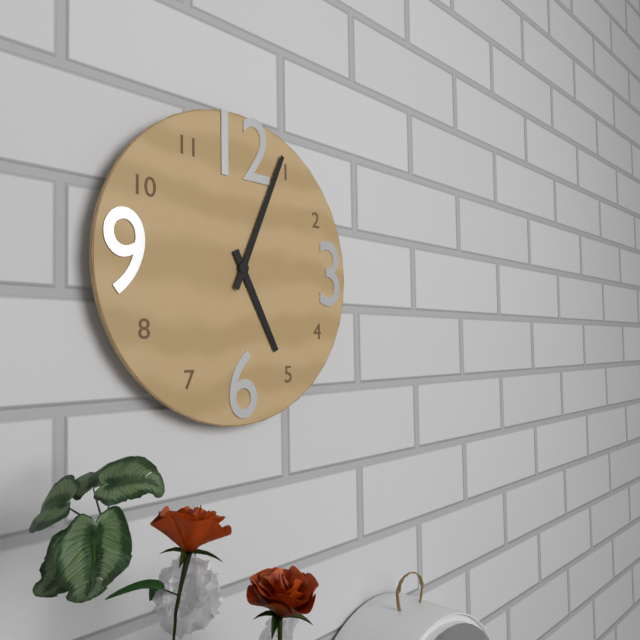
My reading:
**5:04**
